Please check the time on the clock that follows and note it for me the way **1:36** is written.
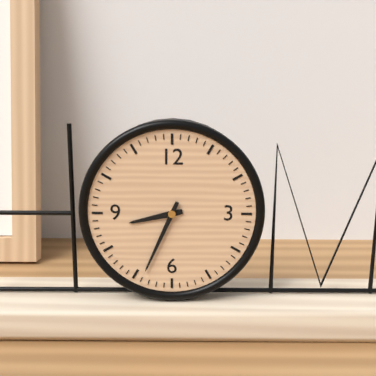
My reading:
**8:34**
